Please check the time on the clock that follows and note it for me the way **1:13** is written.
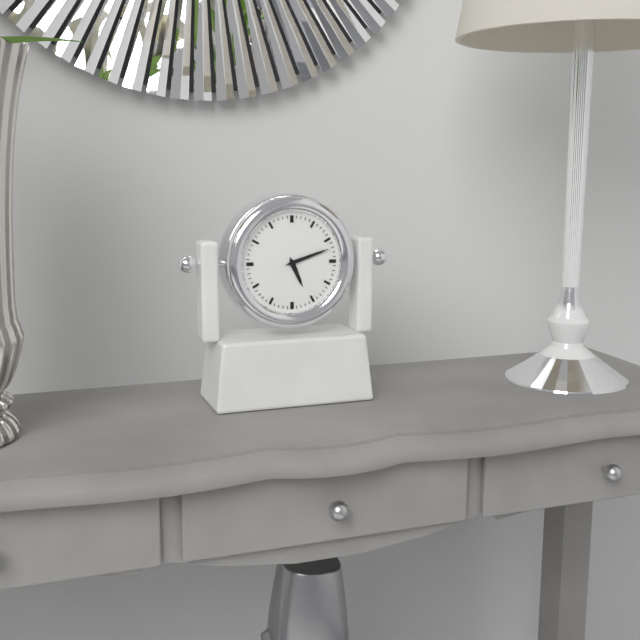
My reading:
**5:12**
